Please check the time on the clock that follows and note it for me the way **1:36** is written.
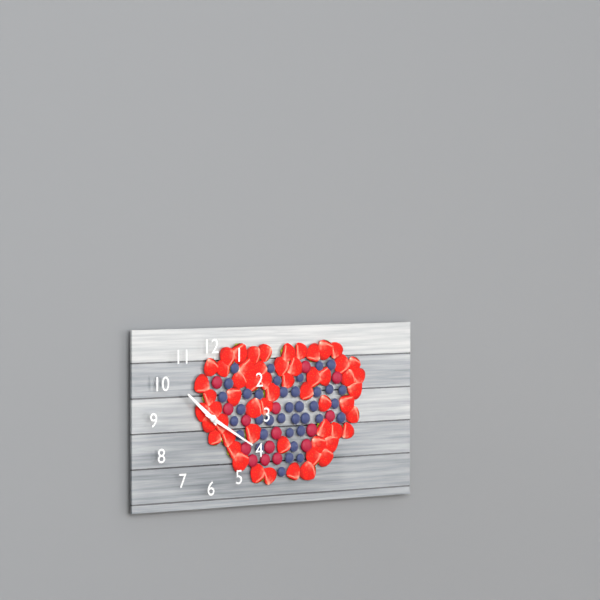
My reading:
**10:20**
